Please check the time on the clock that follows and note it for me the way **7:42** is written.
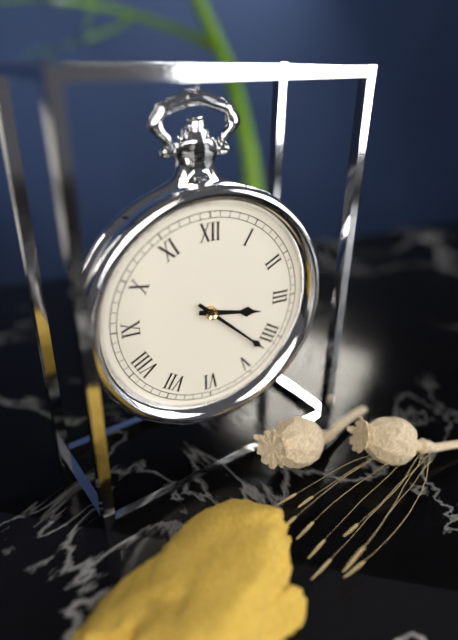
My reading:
**3:22**
